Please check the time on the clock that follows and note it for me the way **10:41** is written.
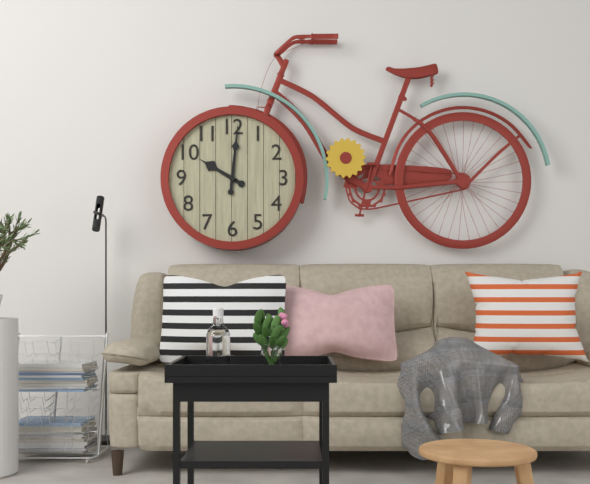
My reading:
**10:01**
